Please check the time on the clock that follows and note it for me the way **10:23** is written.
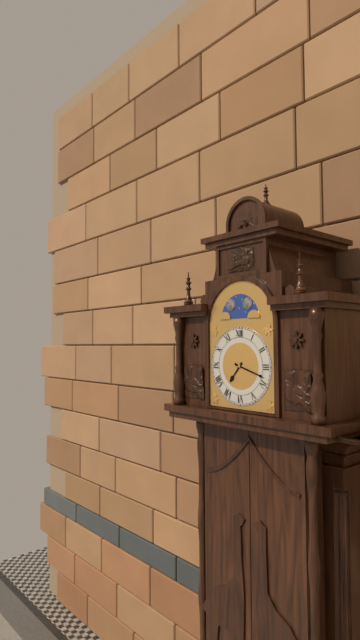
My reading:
**7:18**
